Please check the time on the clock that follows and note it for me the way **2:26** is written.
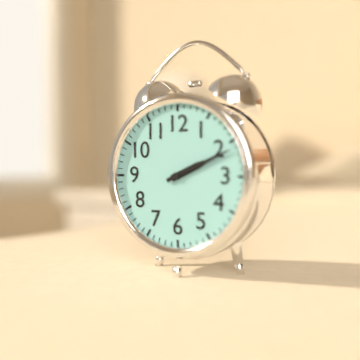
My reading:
**2:11**
